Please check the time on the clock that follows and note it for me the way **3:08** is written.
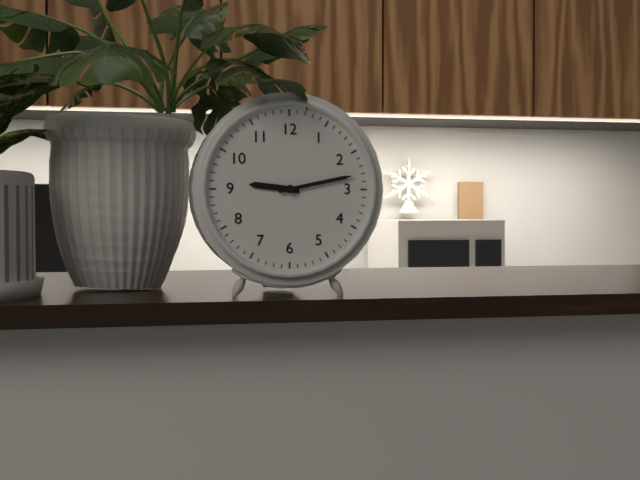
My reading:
**9:13**
